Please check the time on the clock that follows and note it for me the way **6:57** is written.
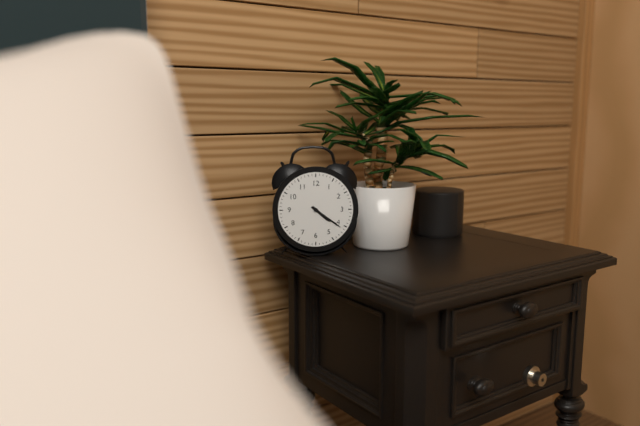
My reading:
**4:21**
